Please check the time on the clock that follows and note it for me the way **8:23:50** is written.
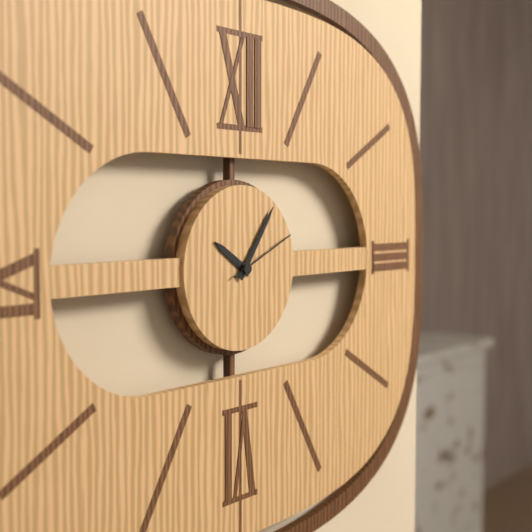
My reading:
**10:06:11**
